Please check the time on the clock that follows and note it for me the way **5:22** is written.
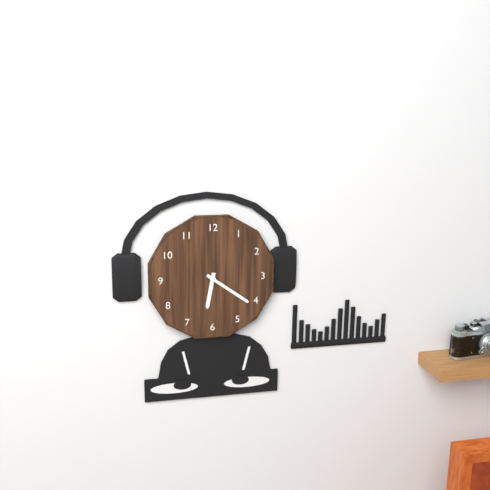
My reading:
**6:21**
